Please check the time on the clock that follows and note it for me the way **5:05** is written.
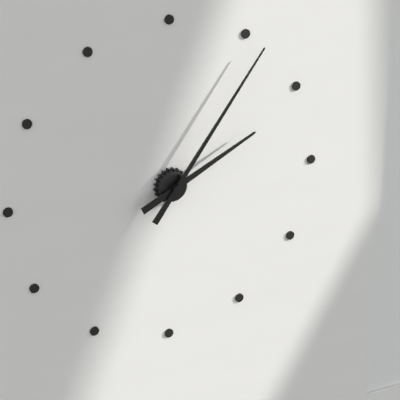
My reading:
**2:06**
